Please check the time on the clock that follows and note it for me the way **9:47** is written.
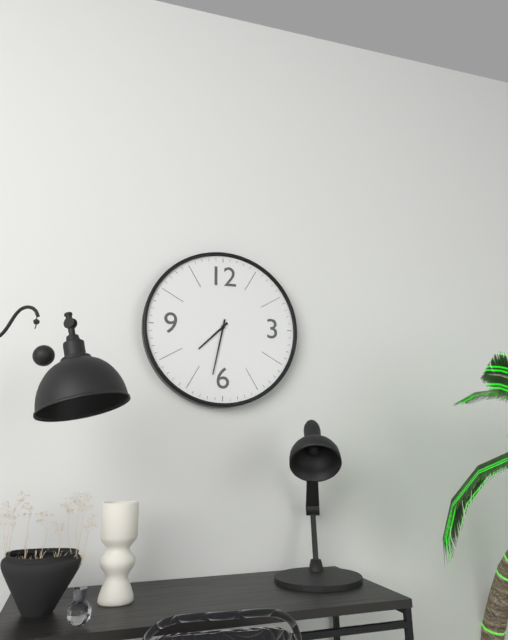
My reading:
**7:32**
